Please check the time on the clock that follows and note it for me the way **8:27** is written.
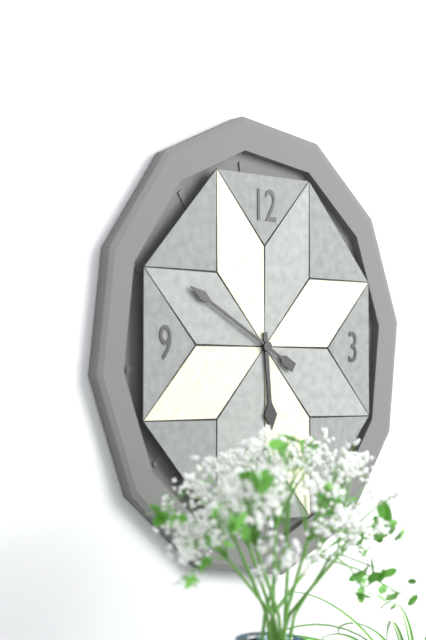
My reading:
**5:50**
